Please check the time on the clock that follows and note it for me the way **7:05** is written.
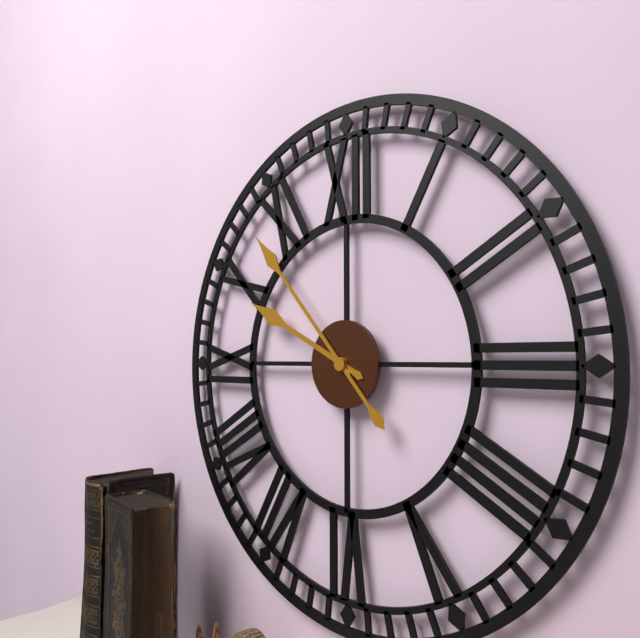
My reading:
**9:53**
